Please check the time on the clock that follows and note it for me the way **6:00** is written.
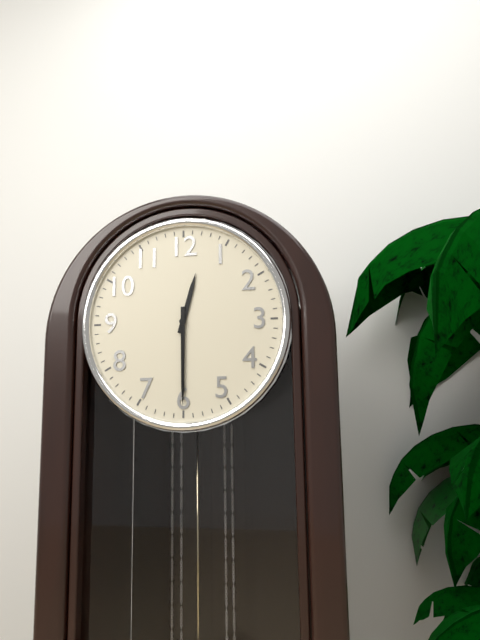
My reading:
**12:30**
